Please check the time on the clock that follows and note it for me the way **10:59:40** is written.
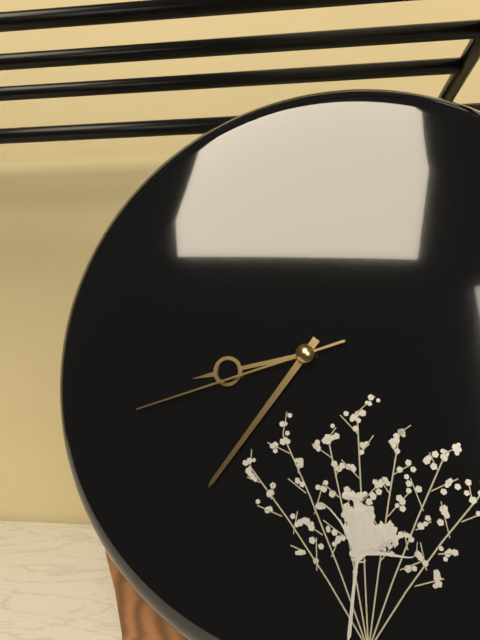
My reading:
**8:36:42**
